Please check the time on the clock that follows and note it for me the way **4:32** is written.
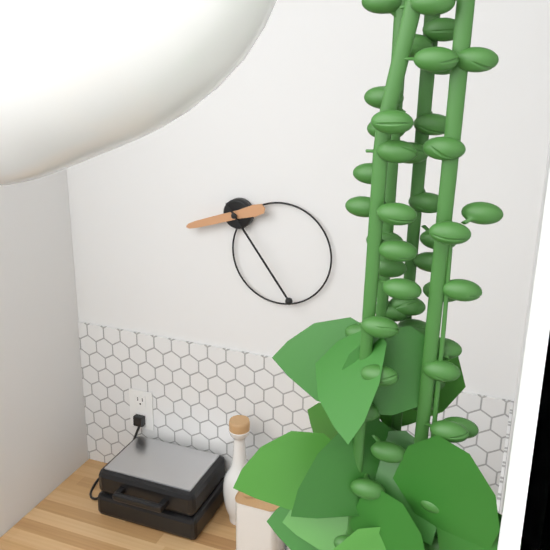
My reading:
**8:24**
